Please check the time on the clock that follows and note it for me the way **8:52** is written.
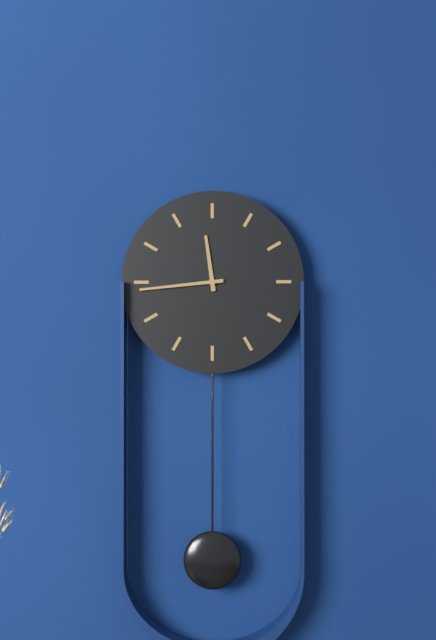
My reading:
**11:44**
